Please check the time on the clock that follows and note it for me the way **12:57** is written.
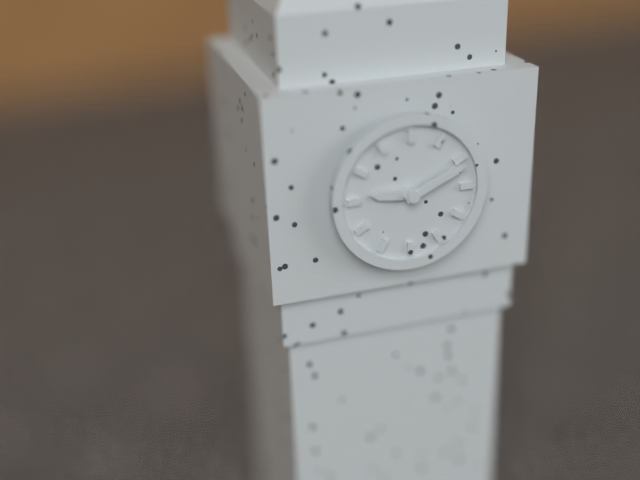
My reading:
**9:11**
